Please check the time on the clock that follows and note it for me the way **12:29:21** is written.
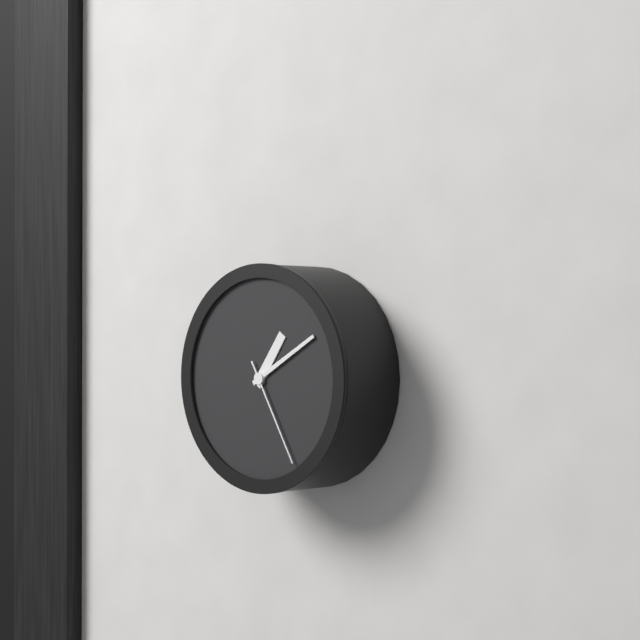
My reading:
**1:10:25**
